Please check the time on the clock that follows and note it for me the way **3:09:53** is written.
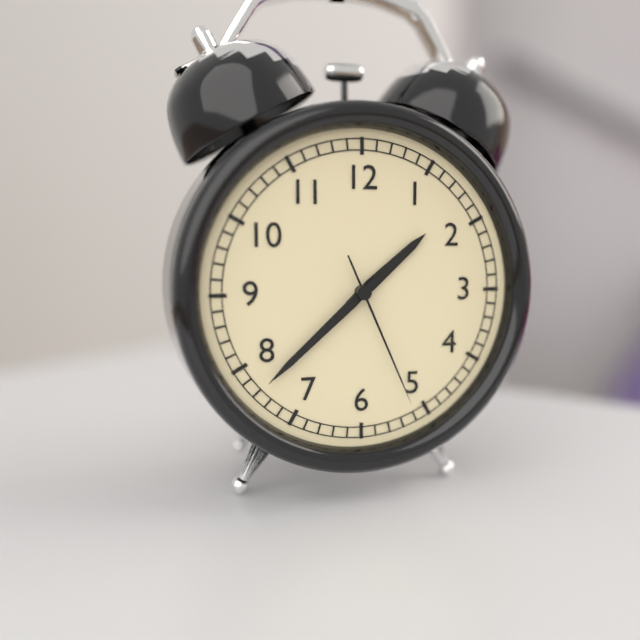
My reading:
**1:38:26**
